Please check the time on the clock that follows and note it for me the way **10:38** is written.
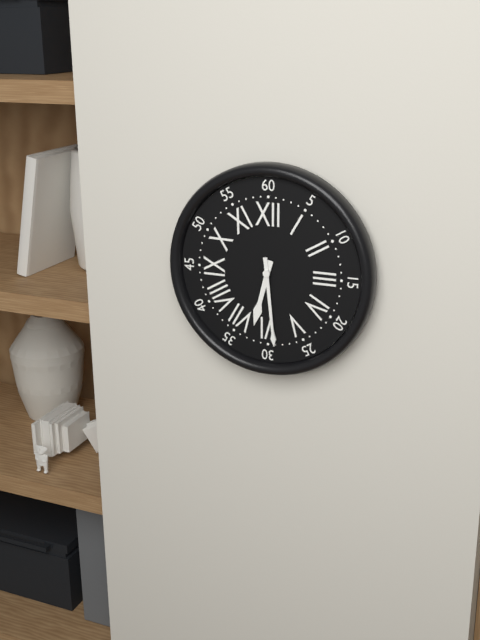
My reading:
**6:29**
